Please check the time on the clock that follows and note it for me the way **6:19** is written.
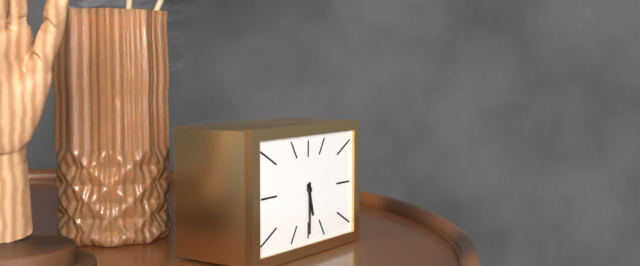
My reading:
**5:30**
